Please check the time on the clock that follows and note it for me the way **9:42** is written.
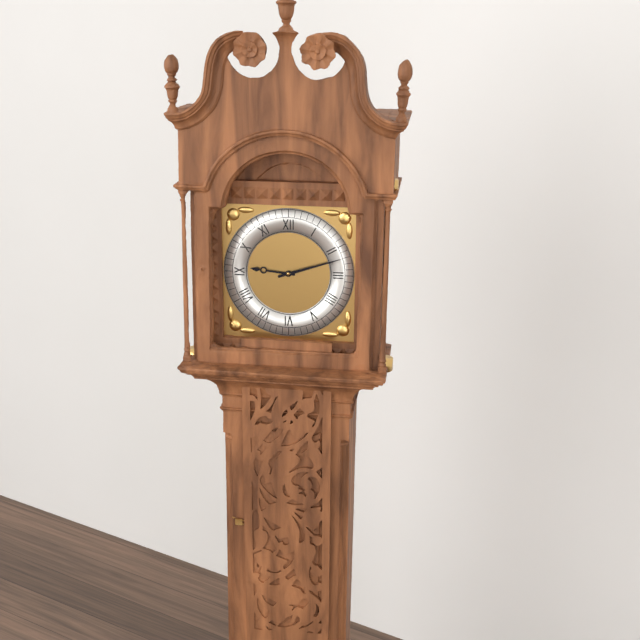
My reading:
**9:12**
